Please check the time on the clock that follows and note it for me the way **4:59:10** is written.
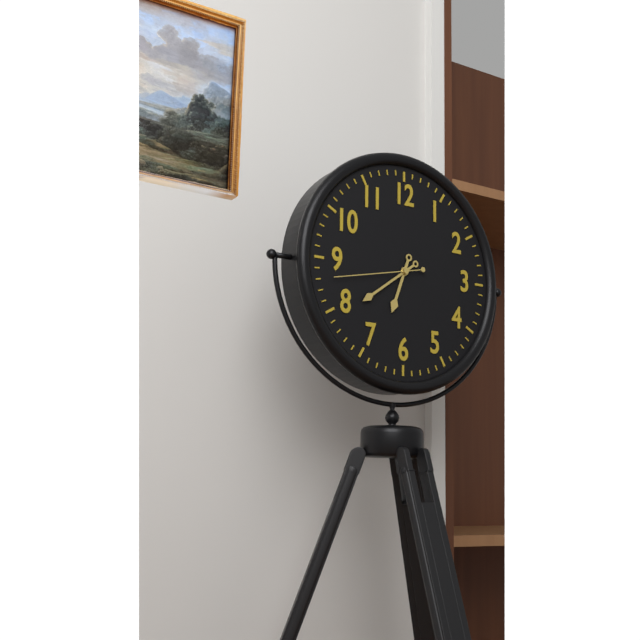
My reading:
**6:39:43**
